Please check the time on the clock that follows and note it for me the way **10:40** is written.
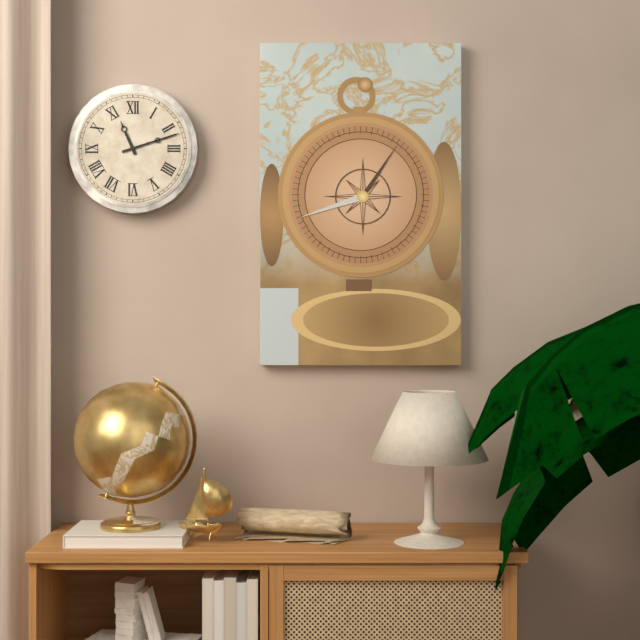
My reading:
**11:12**
